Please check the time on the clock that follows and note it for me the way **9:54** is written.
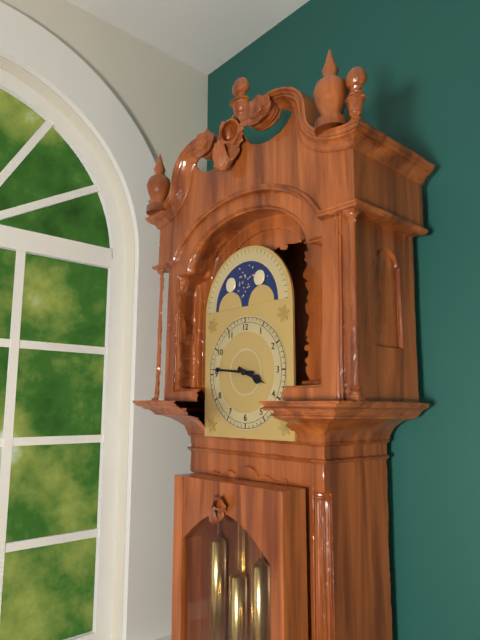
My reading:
**3:46**
